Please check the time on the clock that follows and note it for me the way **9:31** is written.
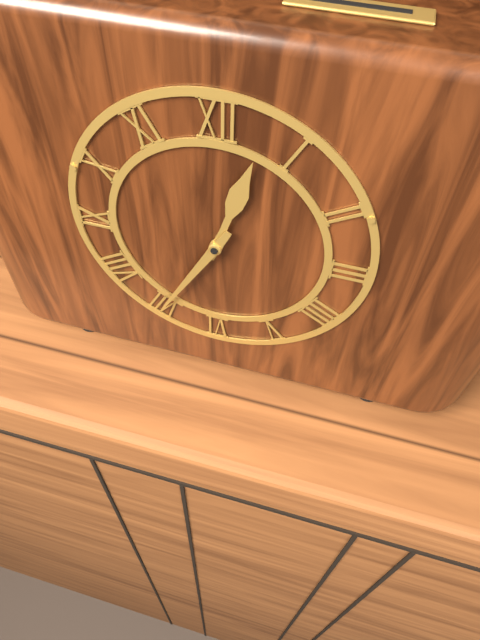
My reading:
**12:35**
